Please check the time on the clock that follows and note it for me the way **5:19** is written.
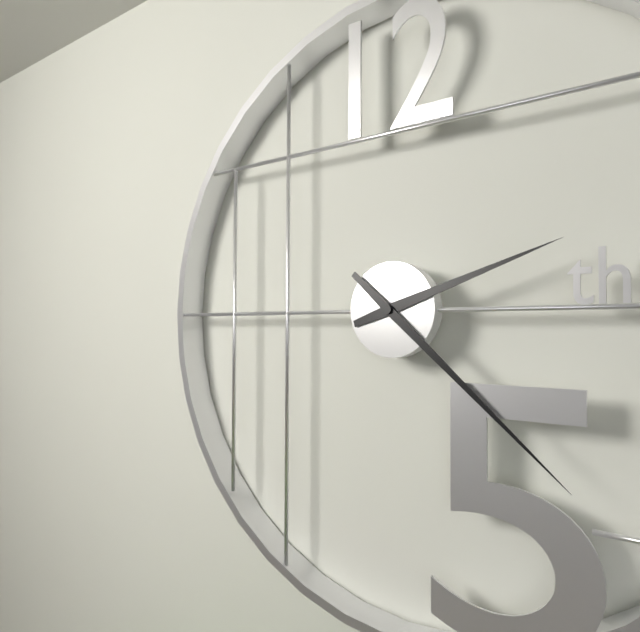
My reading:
**2:22**
